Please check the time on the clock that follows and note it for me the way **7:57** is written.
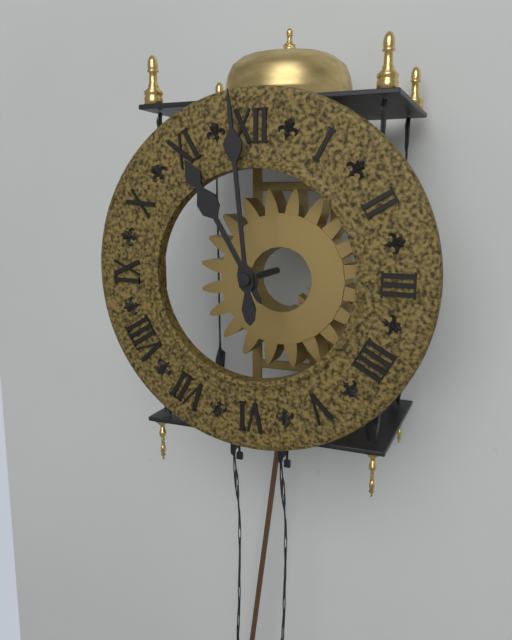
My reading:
**10:59**
